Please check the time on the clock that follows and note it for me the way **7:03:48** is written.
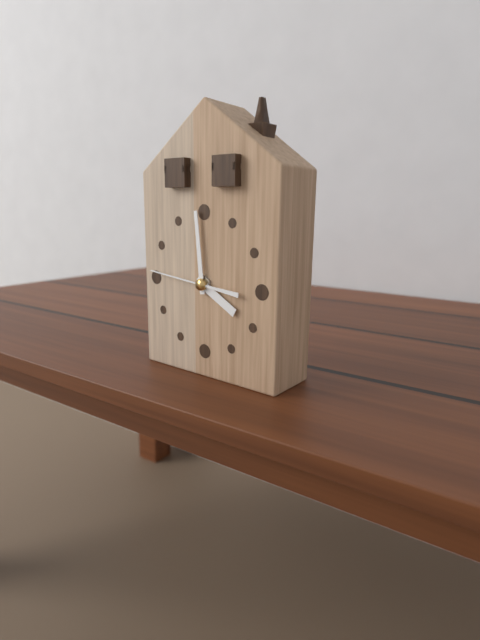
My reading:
**3:59:46**
